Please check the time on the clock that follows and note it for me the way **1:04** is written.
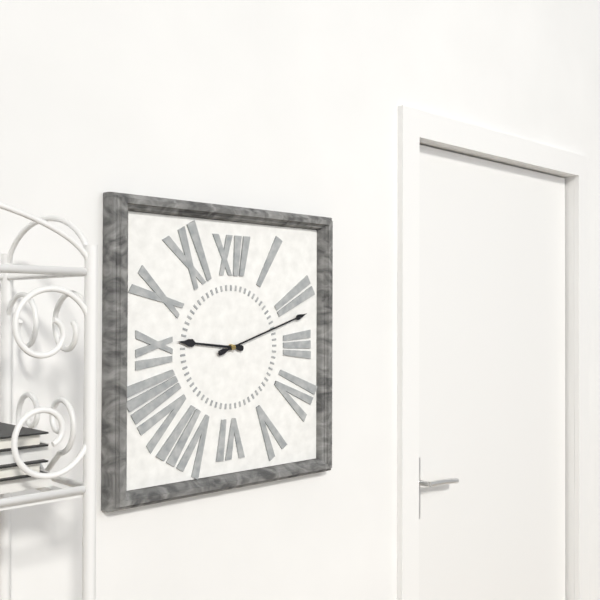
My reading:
**9:12**
